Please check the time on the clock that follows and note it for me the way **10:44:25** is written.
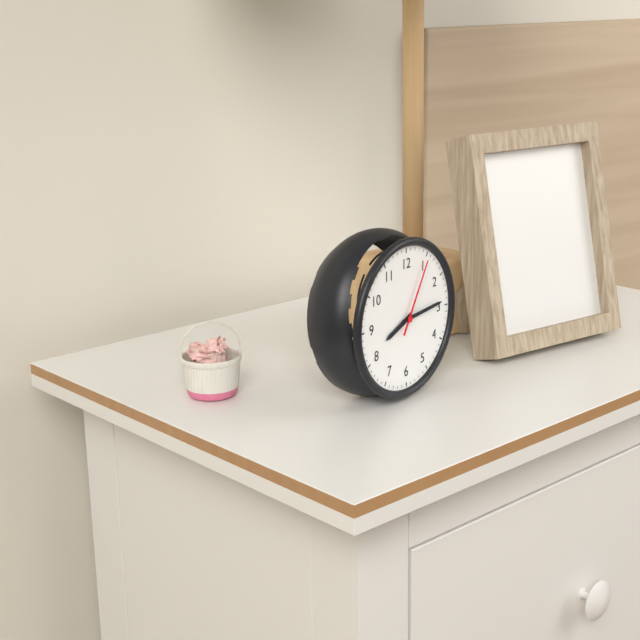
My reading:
**8:14:05**
